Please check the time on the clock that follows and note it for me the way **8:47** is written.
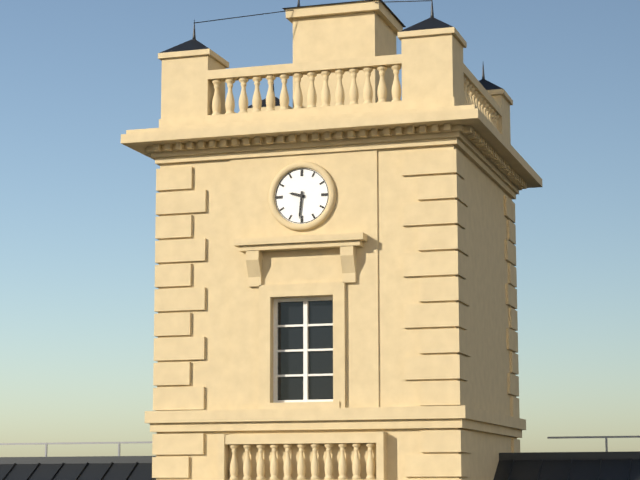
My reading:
**9:31**
